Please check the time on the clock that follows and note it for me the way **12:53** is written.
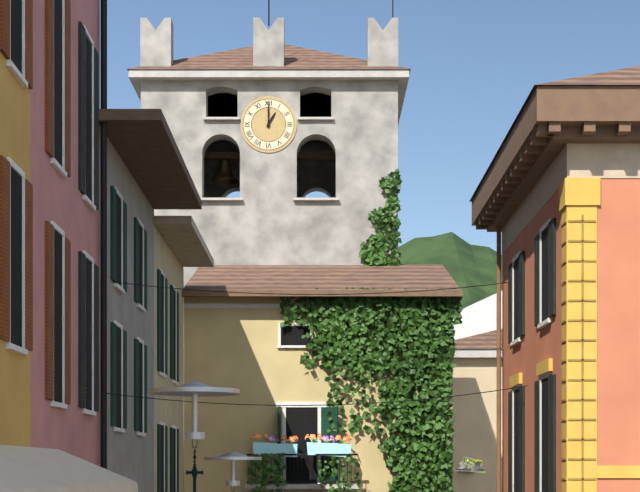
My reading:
**1:00**
